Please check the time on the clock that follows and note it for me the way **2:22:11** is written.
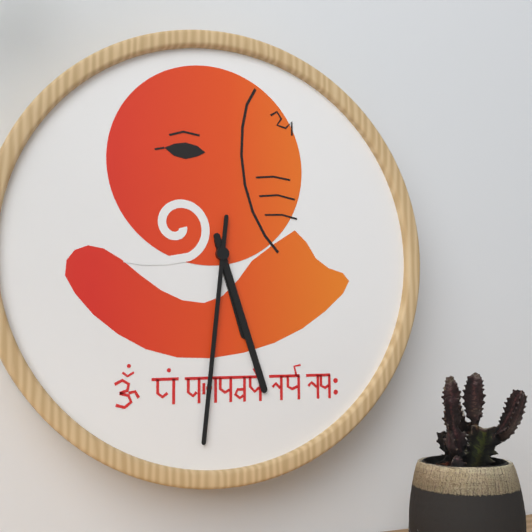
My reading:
**5:27:31**
